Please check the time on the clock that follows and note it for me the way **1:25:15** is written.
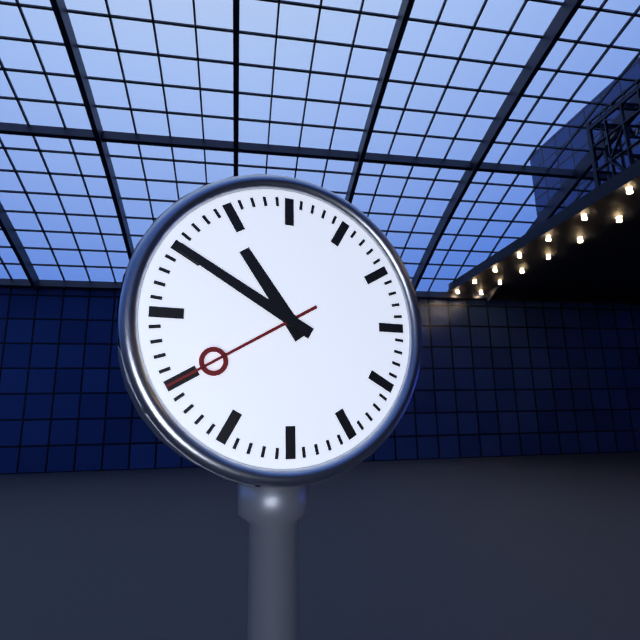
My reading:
**10:50:40**
